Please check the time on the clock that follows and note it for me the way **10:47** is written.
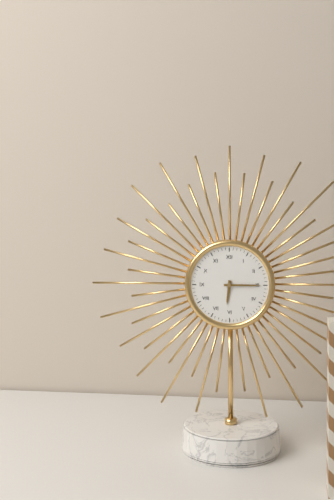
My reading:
**6:15**
